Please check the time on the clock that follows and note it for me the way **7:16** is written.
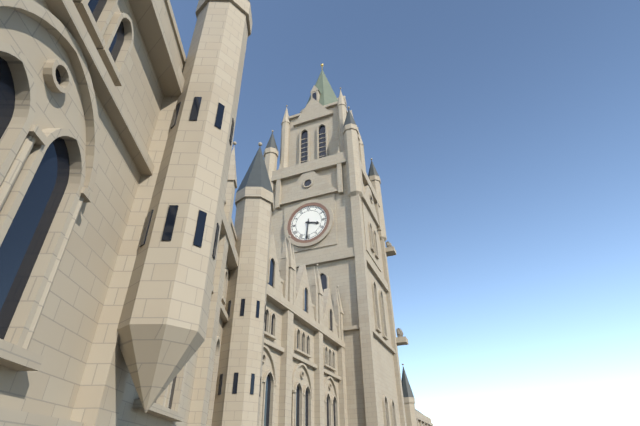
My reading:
**3:31**
